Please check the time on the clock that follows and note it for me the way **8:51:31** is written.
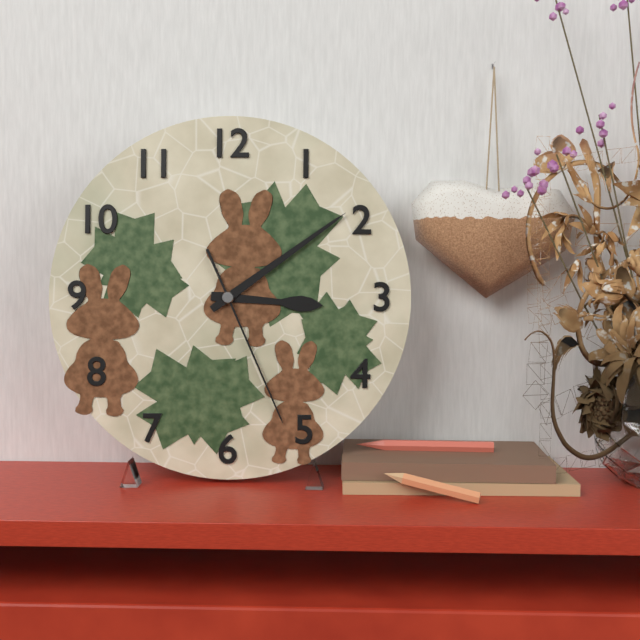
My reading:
**3:09:26**
